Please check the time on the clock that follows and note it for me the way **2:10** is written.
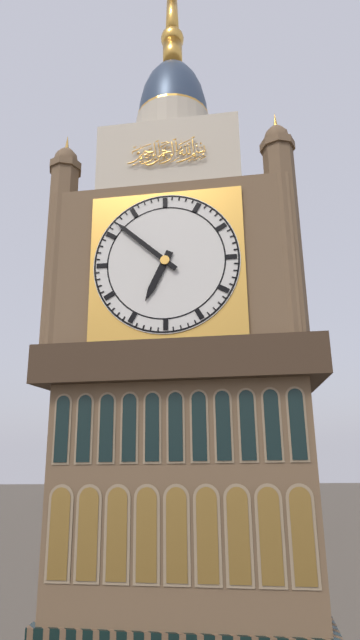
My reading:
**6:52**
